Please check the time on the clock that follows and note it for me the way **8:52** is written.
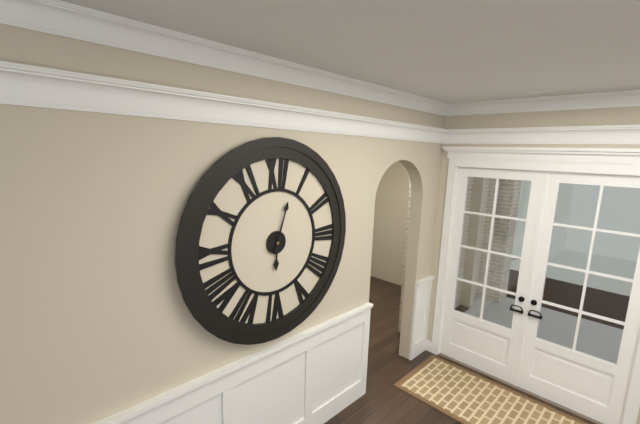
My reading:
**6:03**
